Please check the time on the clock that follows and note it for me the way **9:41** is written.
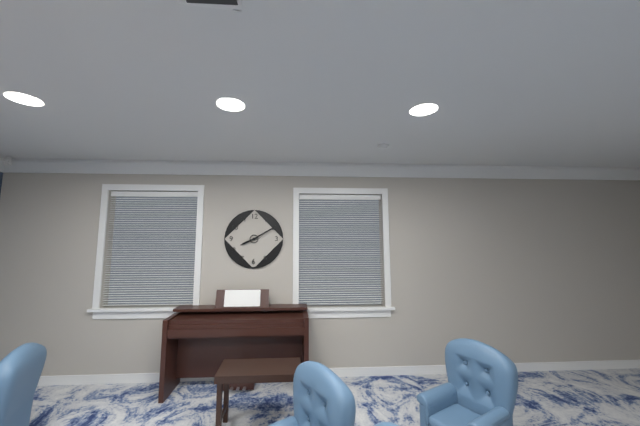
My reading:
**8:10**
